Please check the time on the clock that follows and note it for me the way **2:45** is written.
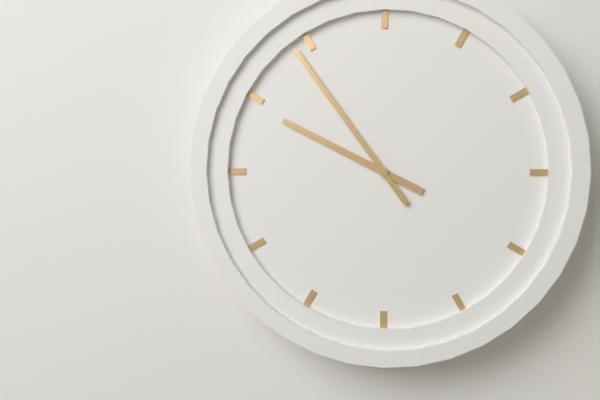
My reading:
**9:54**
